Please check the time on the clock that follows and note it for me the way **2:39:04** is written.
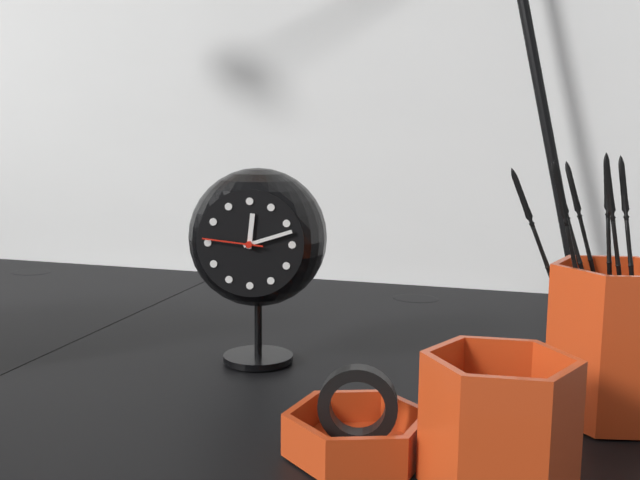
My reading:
**12:12:46**
